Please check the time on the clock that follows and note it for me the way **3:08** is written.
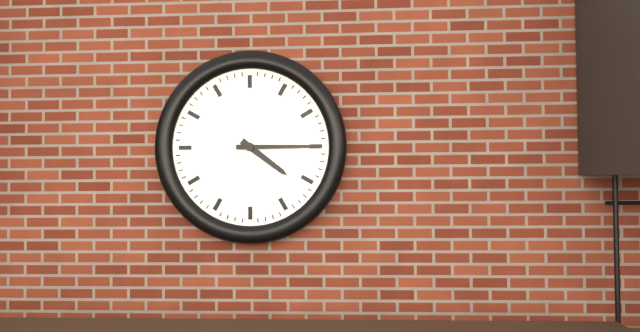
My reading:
**4:15**
